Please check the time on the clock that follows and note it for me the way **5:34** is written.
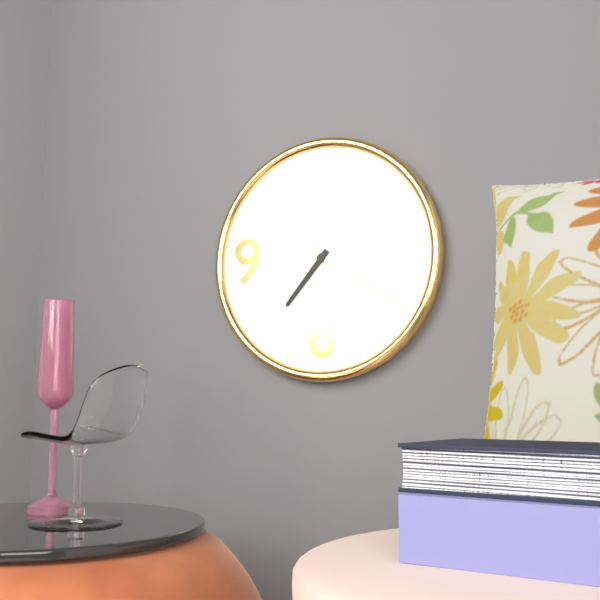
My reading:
**7:20**
